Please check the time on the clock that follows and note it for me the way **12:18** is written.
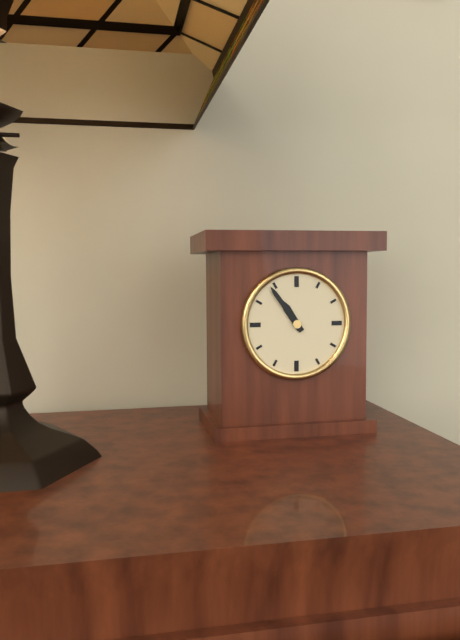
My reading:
**10:54**
